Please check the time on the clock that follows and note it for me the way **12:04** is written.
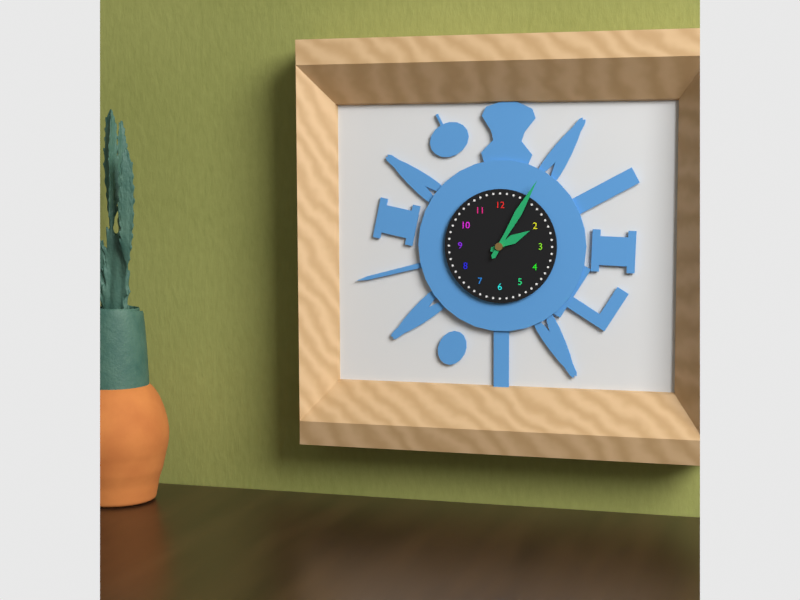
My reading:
**2:05**
